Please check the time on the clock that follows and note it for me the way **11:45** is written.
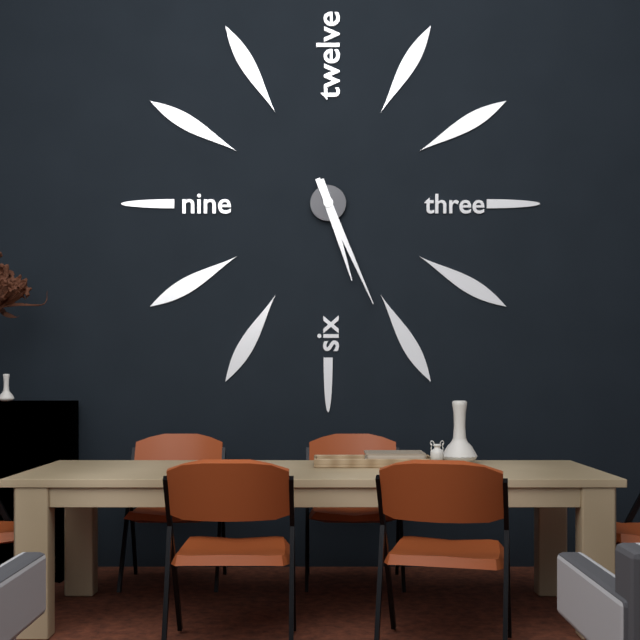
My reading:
**5:26**
